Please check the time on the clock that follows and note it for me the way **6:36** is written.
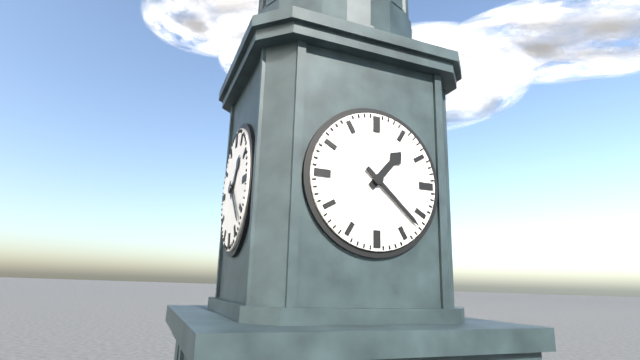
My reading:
**1:22**
